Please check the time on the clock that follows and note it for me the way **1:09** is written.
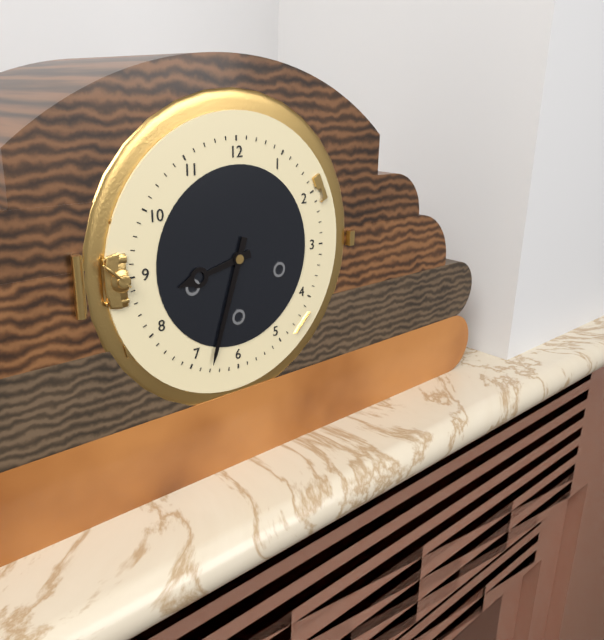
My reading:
**8:33**
